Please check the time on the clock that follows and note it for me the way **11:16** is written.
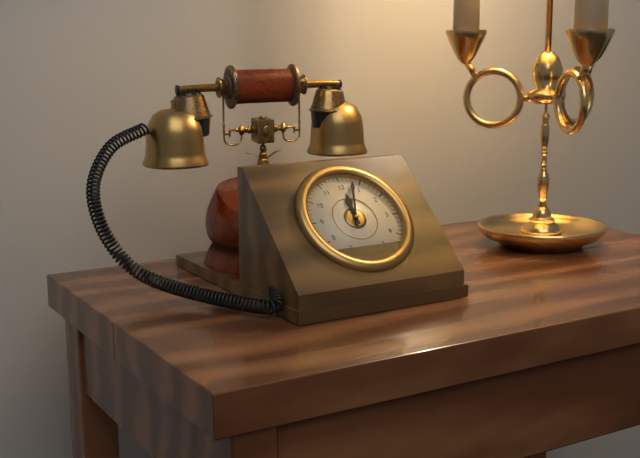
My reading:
**12:03**
